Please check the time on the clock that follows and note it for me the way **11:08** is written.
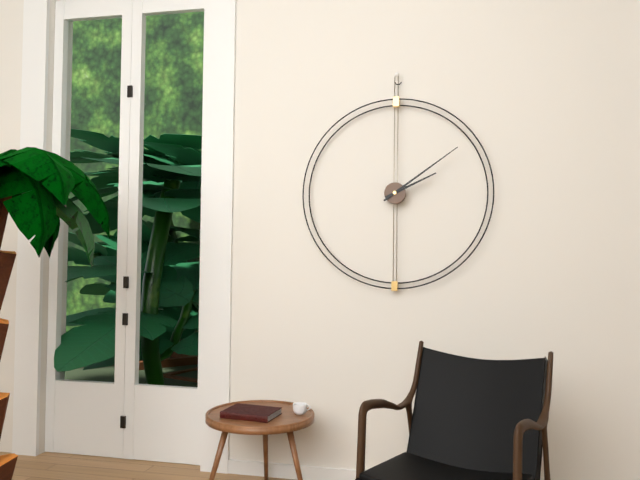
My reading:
**2:09**
